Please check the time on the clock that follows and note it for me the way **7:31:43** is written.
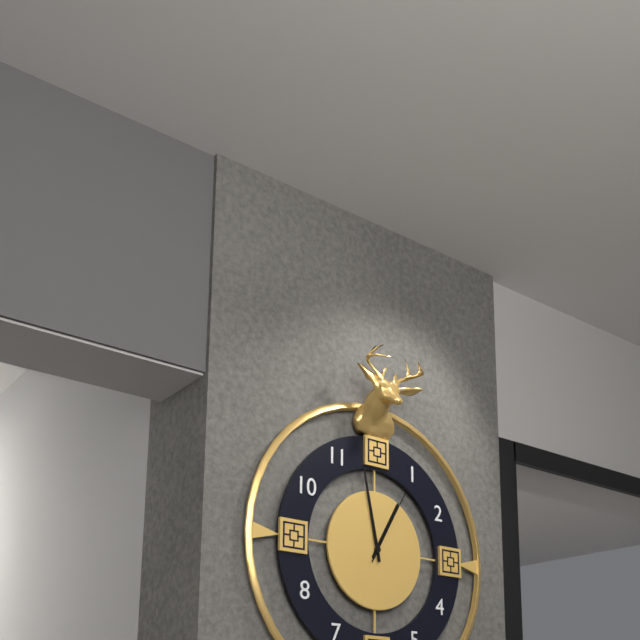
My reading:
**12:58:05**
